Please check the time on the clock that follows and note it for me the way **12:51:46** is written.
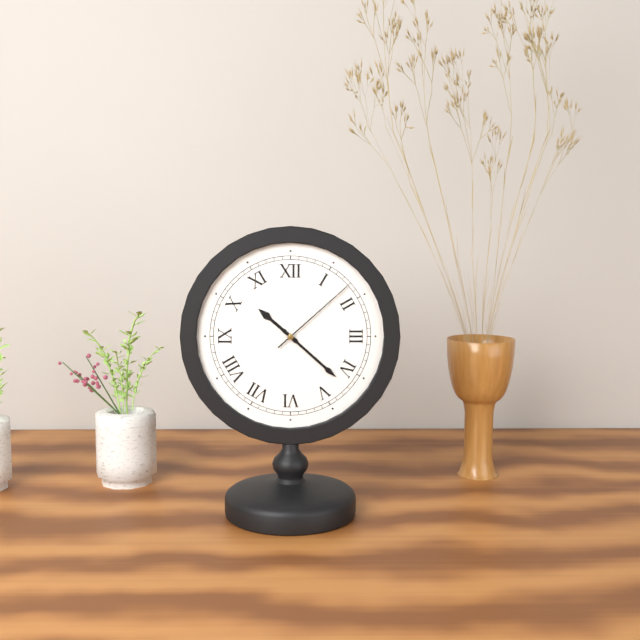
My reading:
**10:22:08**
